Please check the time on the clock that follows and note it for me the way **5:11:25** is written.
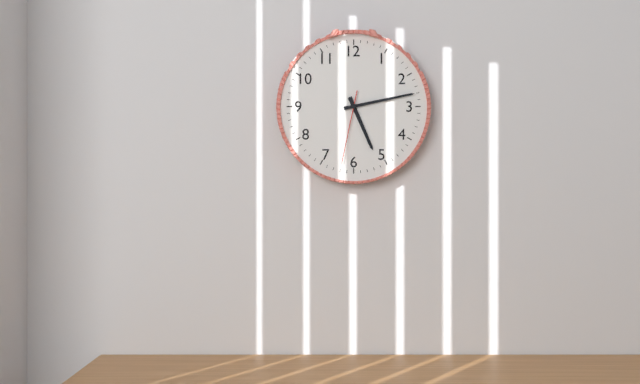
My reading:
**5:13:32**
